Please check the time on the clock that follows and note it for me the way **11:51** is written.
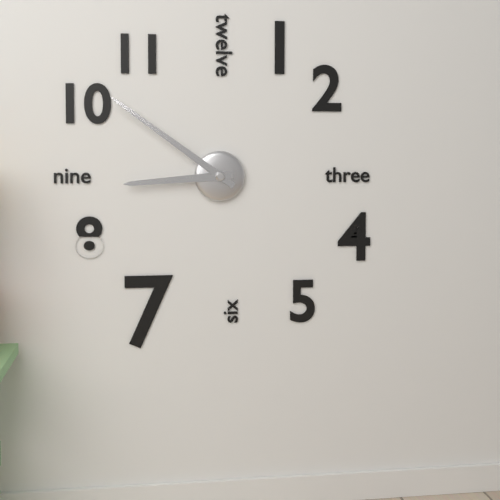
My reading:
**8:51**
